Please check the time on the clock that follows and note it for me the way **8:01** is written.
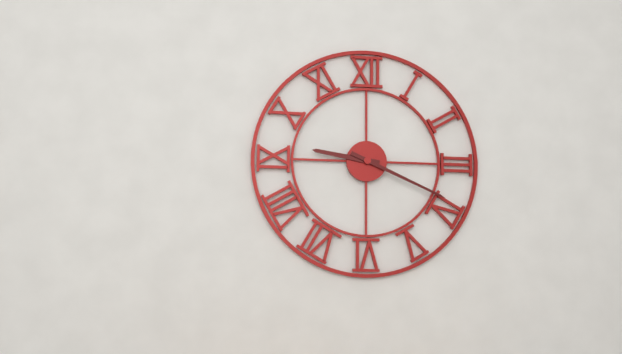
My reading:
**9:19**
